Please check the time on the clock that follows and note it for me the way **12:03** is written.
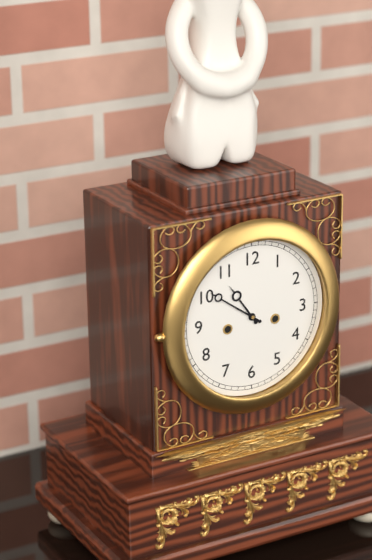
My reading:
**10:51**
